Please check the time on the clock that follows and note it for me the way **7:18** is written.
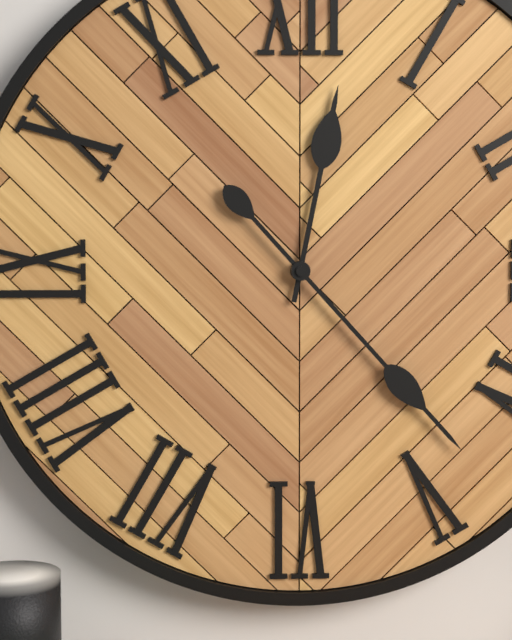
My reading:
**12:23**
